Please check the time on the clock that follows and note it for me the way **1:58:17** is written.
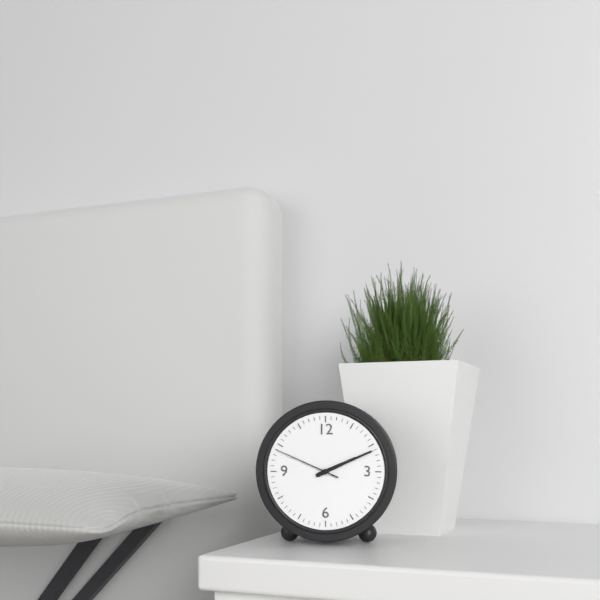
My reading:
**2:11:49**
